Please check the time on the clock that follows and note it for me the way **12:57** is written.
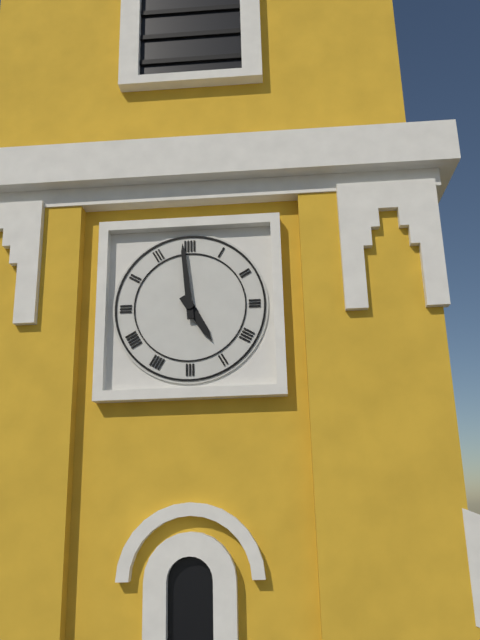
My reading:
**4:59**
